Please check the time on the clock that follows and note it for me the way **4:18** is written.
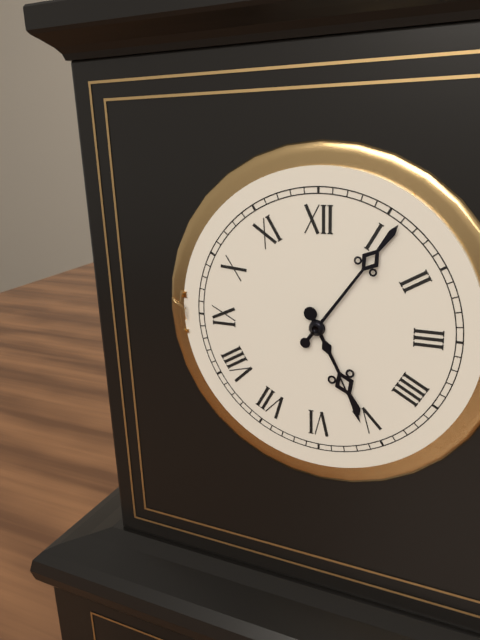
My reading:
**5:06**
